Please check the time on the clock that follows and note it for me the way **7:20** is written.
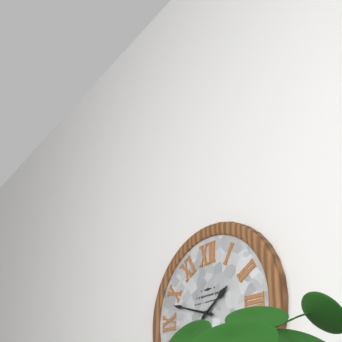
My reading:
**1:48**
